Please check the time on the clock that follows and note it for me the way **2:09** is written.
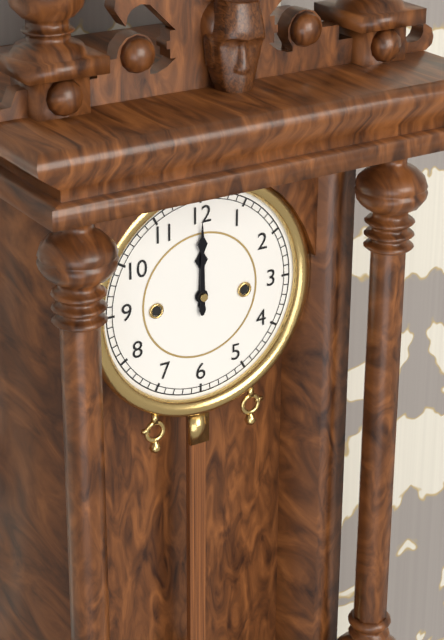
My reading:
**12:00**
